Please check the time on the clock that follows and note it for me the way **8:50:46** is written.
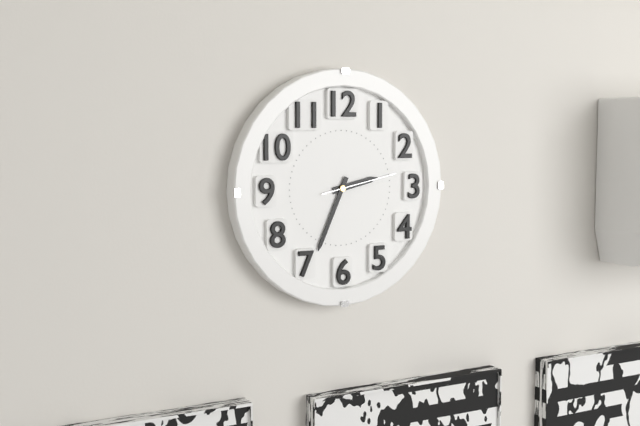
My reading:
**2:34:13**
